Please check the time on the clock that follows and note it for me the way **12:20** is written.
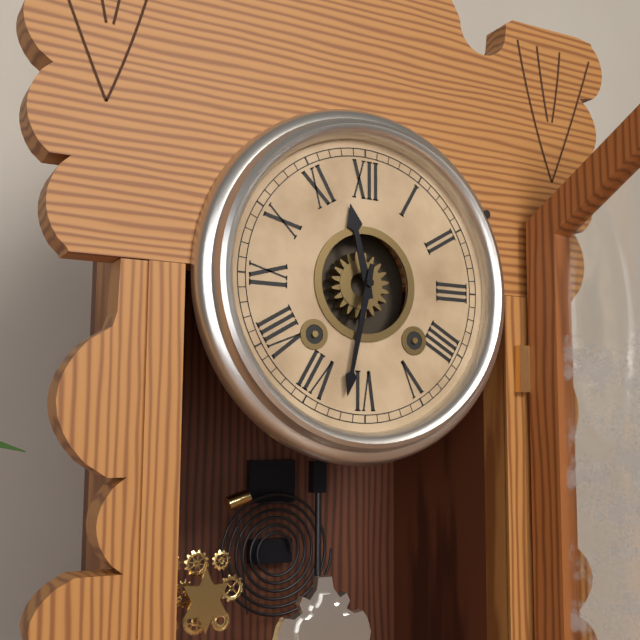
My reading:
**11:32**
